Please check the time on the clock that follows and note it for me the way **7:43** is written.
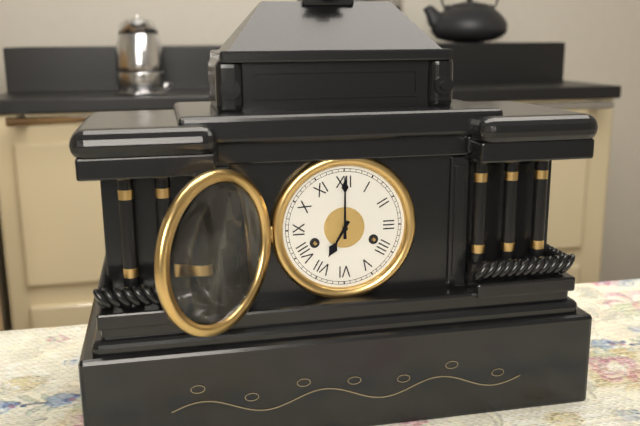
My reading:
**7:00**
